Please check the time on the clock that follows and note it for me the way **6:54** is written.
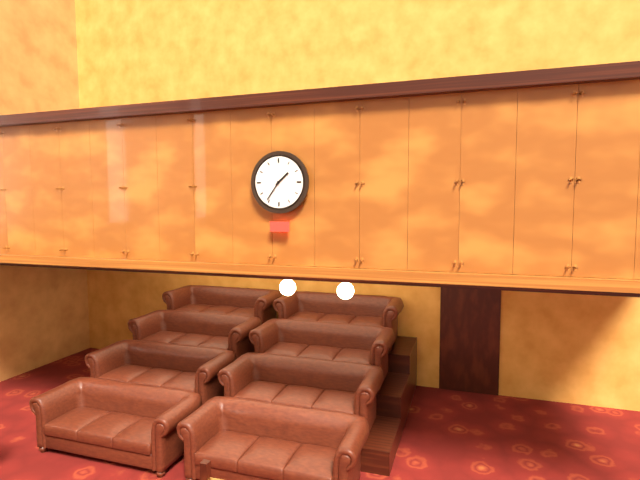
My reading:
**1:36**
